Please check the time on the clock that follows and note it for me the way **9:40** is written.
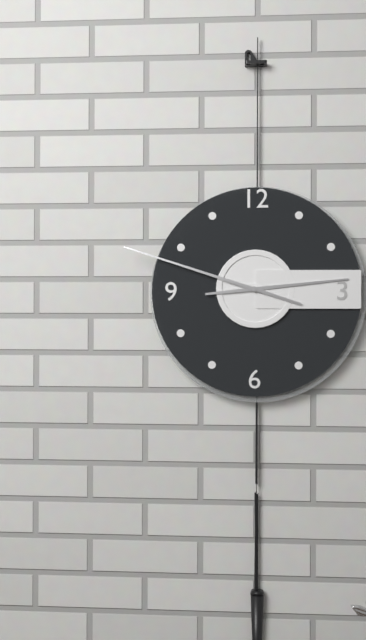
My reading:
**2:48**
